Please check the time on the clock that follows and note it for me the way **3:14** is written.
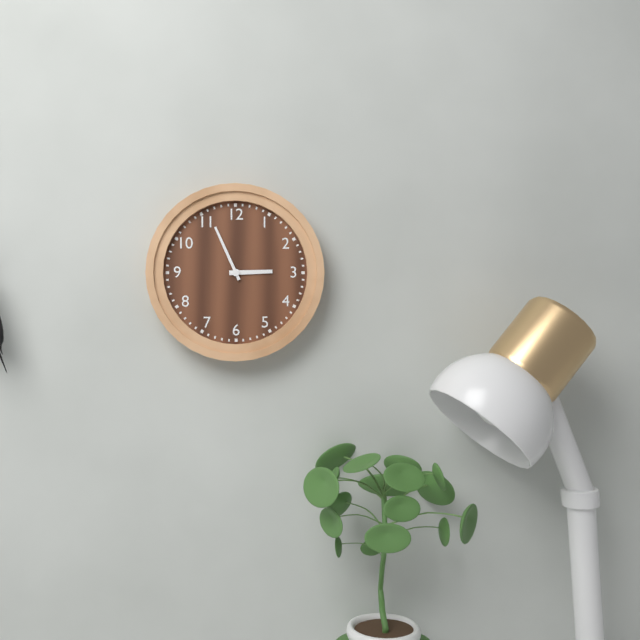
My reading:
**2:56**
